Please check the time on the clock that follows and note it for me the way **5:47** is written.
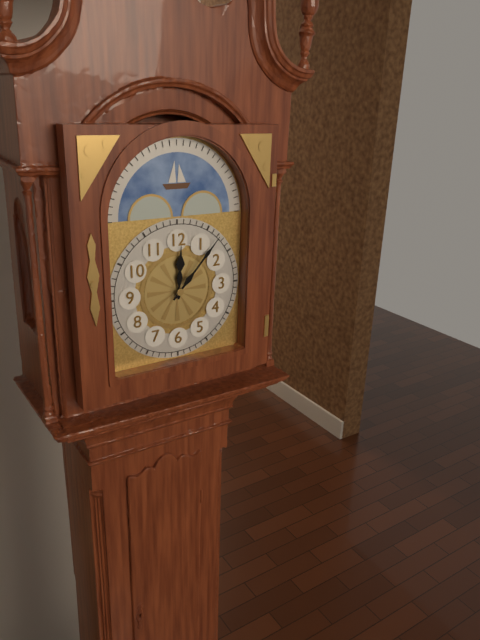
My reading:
**12:07**
